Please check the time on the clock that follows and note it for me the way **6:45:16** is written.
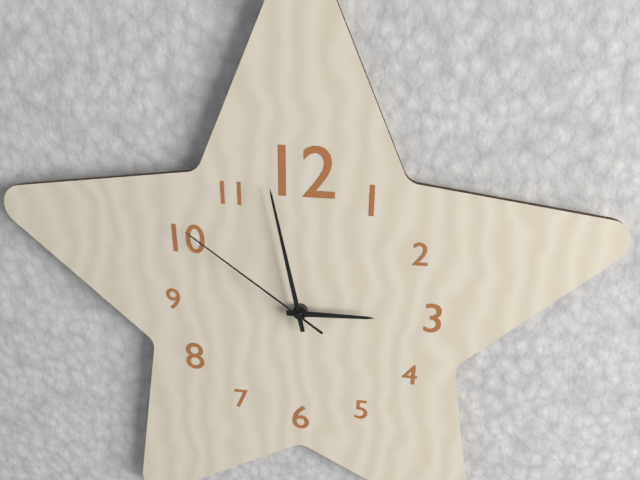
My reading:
**2:58:51**
